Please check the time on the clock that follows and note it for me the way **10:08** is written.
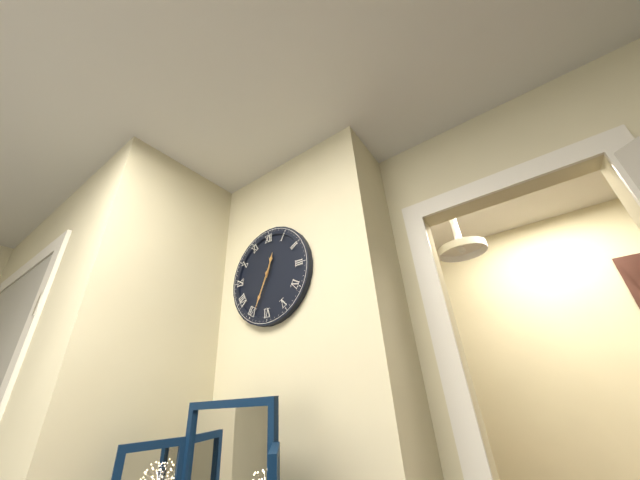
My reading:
**12:34**
